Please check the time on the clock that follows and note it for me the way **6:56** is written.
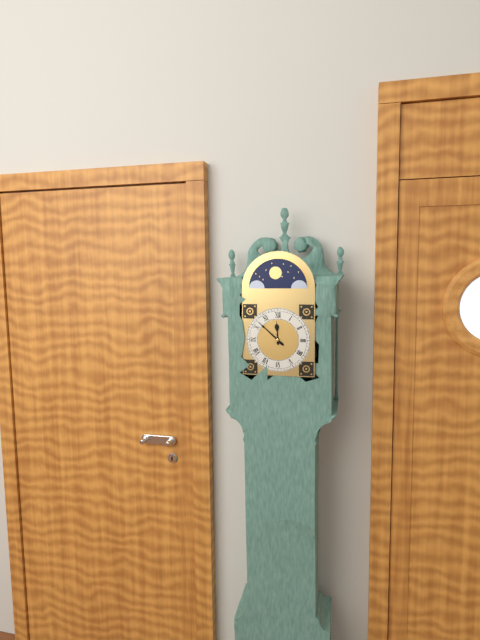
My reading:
**11:52**
